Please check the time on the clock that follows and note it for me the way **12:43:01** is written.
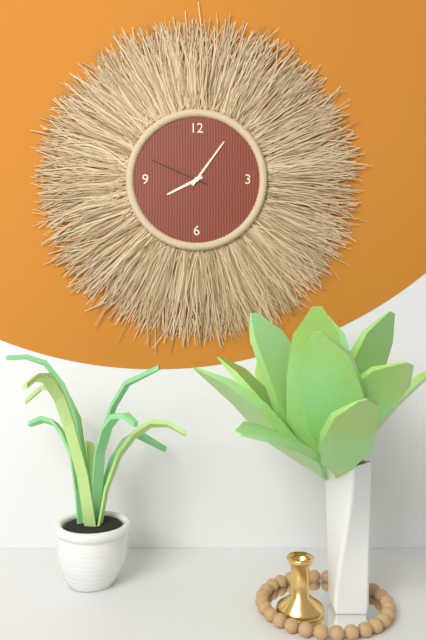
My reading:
**8:06:49**
